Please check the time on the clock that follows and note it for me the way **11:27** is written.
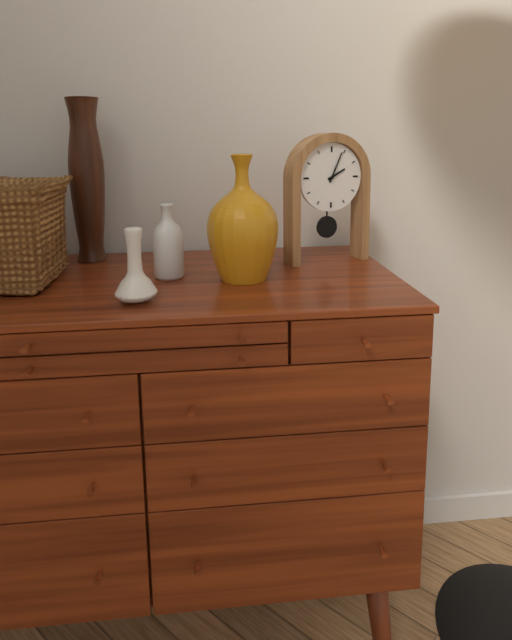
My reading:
**2:04**
